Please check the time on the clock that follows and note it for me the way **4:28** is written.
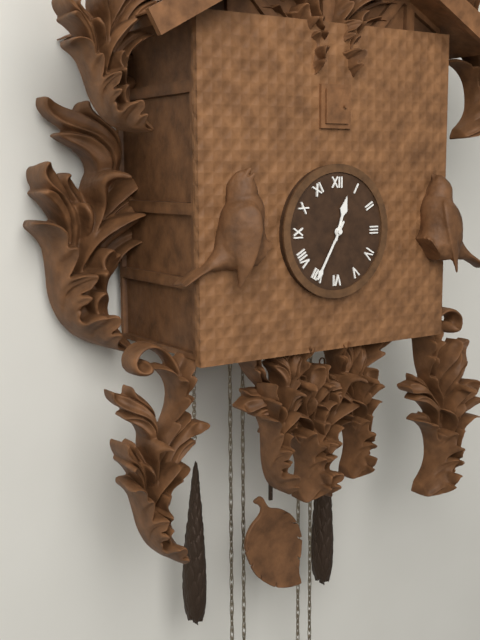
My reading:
**12:35**
